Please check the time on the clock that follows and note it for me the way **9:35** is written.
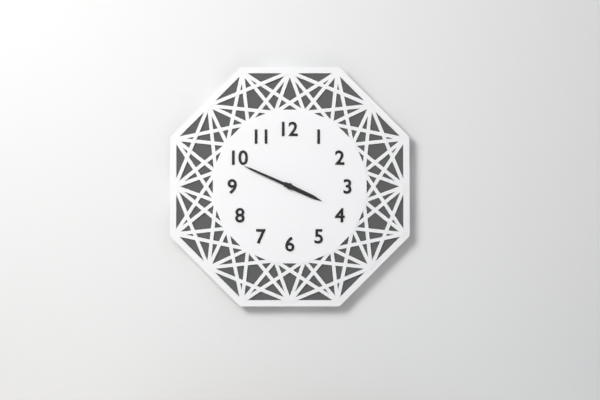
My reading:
**3:49**
